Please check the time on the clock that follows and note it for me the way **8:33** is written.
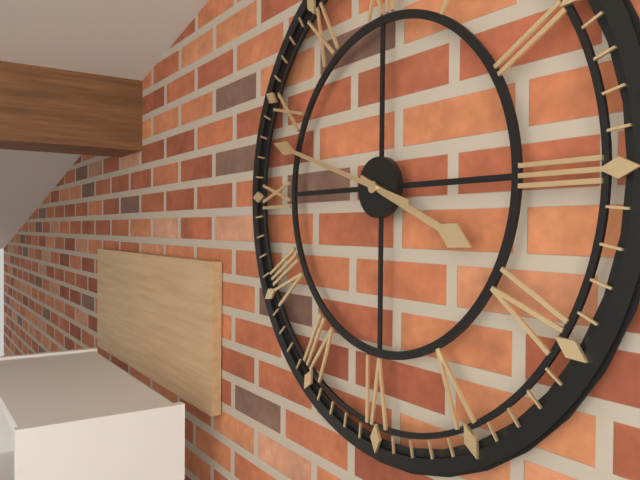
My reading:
**3:48**
